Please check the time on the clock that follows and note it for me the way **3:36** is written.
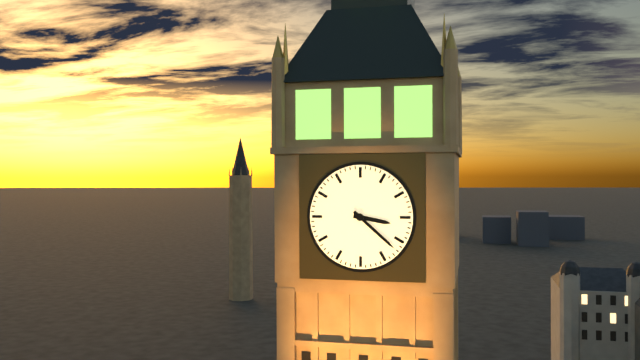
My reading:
**3:22**
